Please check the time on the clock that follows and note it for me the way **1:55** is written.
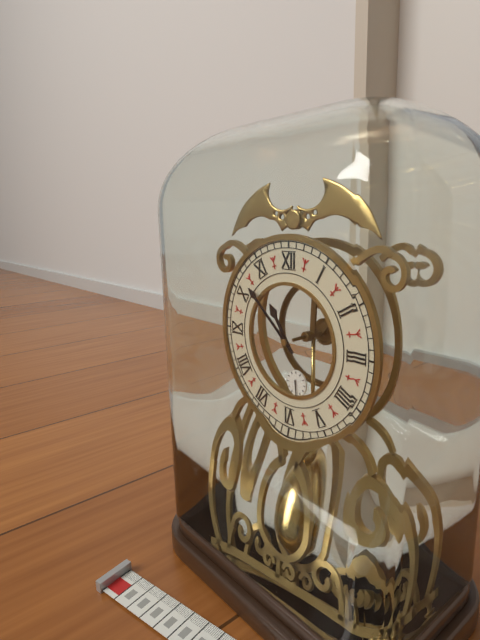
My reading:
**10:52**
